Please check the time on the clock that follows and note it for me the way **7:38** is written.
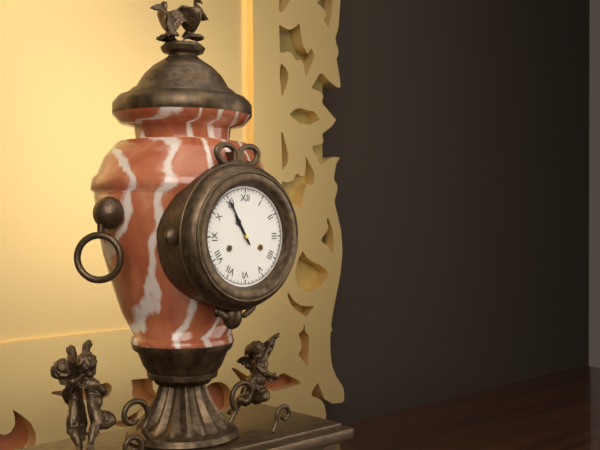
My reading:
**10:55**
